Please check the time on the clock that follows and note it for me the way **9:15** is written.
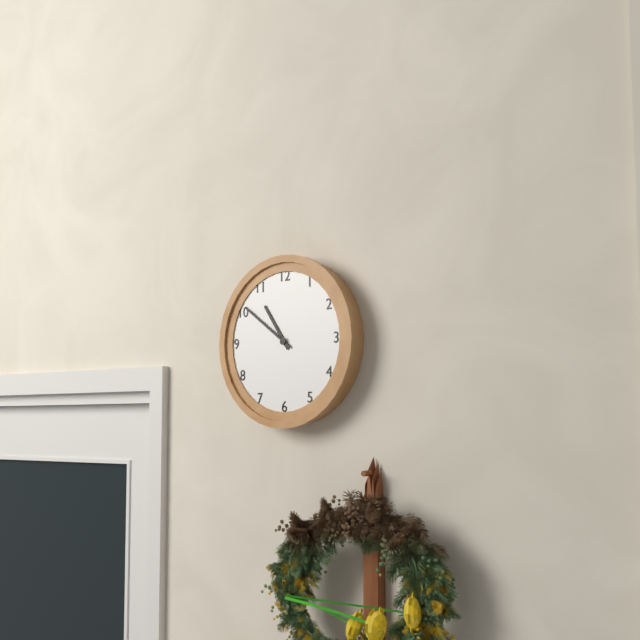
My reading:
**10:51**
